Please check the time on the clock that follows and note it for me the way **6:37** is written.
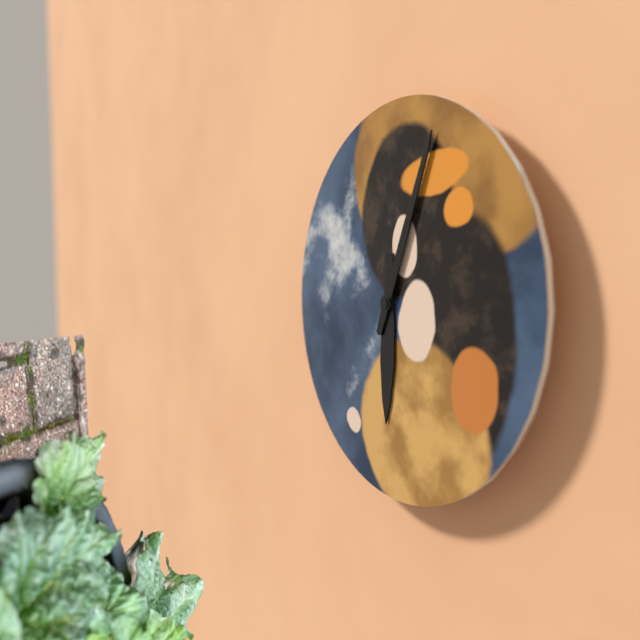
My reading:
**6:04**
